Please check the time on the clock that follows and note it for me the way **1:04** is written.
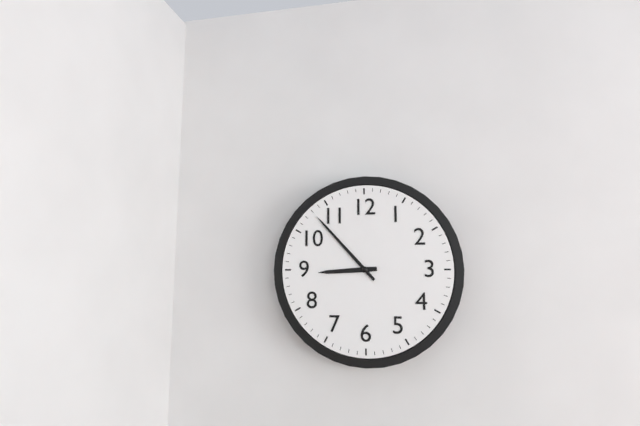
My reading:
**8:53**
